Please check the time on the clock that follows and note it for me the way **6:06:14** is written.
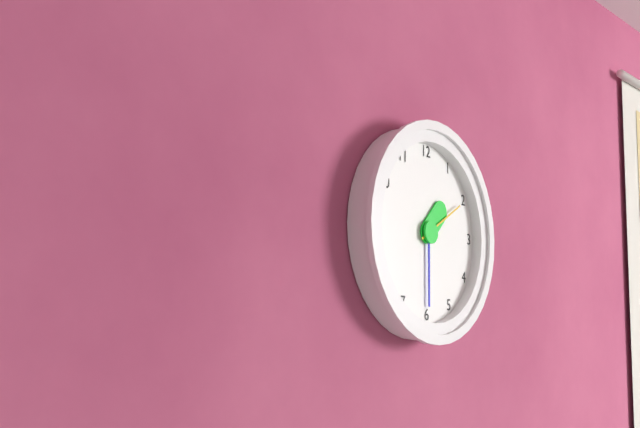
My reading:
**1:30:10**
